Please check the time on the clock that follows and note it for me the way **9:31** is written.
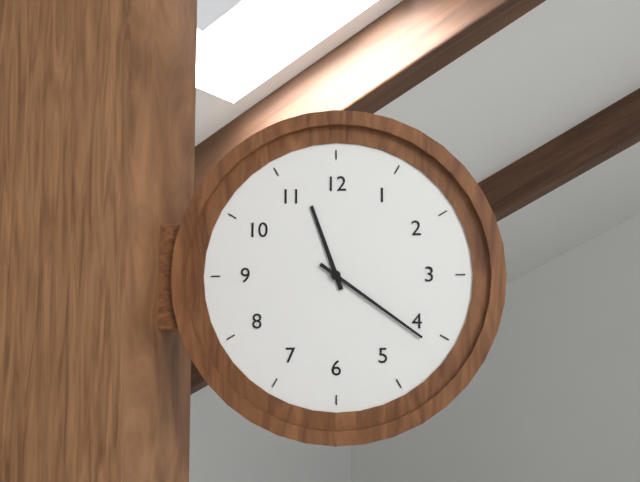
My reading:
**11:21**
